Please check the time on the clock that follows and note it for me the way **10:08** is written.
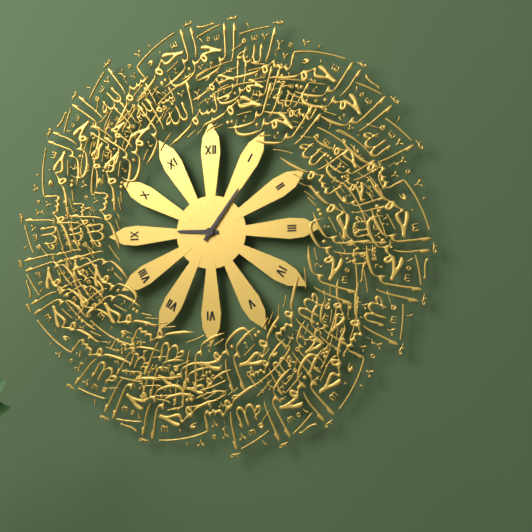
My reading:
**9:06**
